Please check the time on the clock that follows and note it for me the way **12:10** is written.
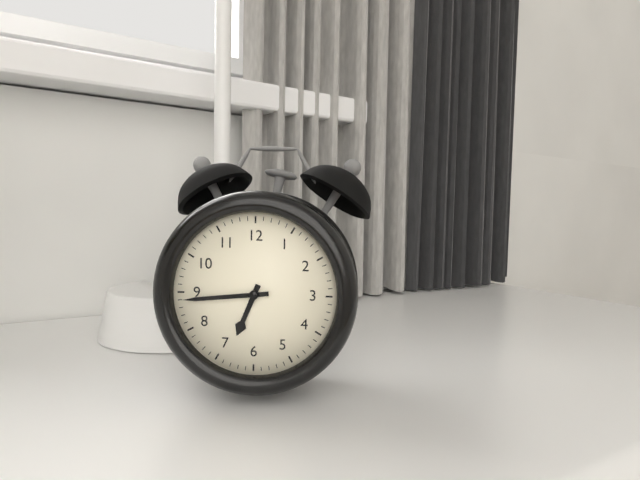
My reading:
**6:44**
